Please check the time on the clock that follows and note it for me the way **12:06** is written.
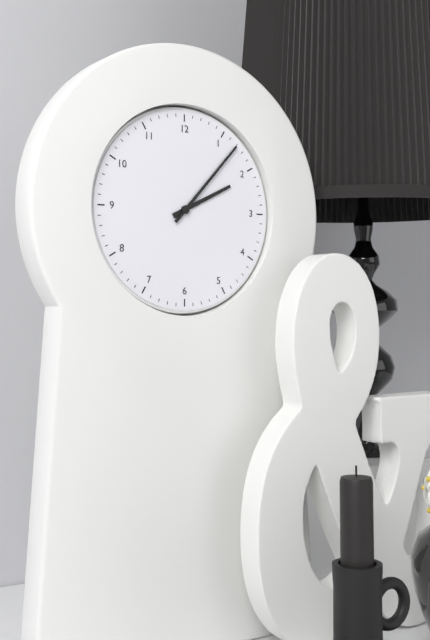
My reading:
**2:07**
